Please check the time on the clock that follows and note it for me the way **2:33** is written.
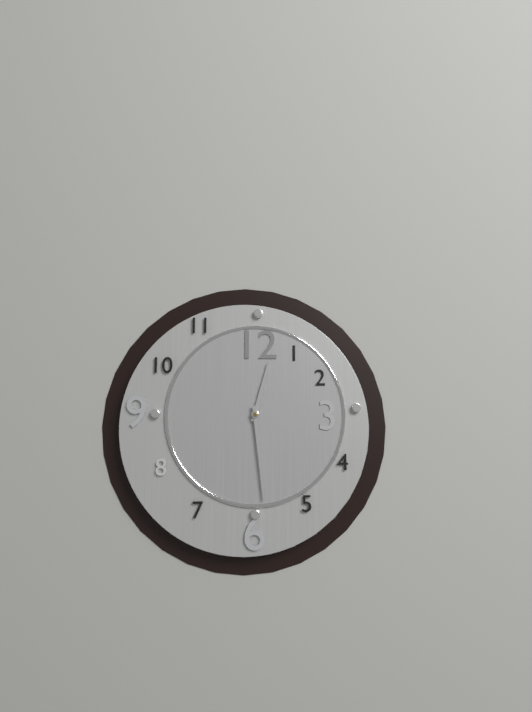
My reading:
**12:29**
